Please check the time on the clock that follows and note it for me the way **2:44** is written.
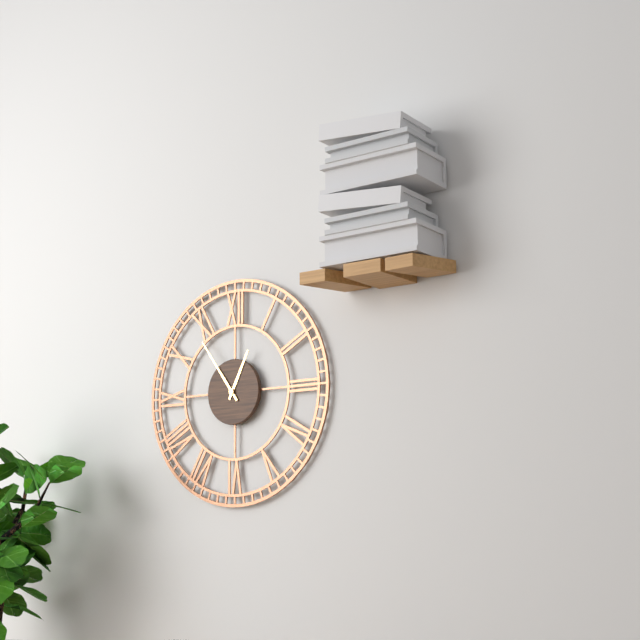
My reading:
**12:54**
